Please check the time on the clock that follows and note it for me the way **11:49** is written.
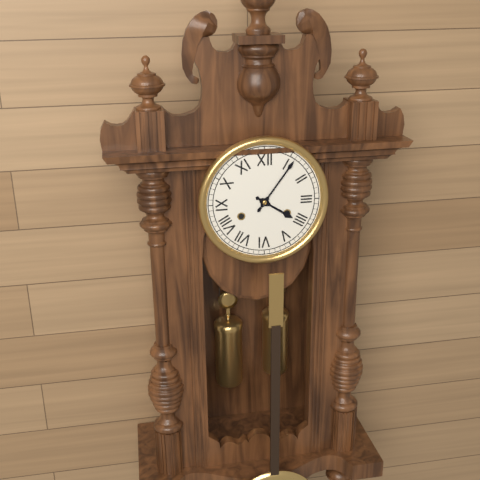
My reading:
**4:06**
